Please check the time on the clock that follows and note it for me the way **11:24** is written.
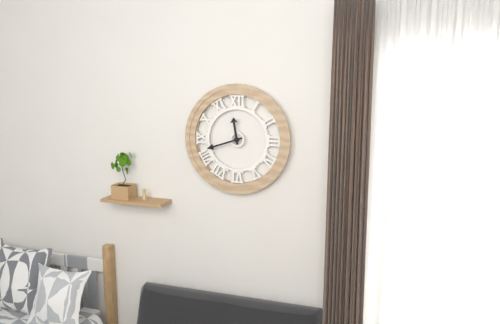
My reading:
**11:42**
